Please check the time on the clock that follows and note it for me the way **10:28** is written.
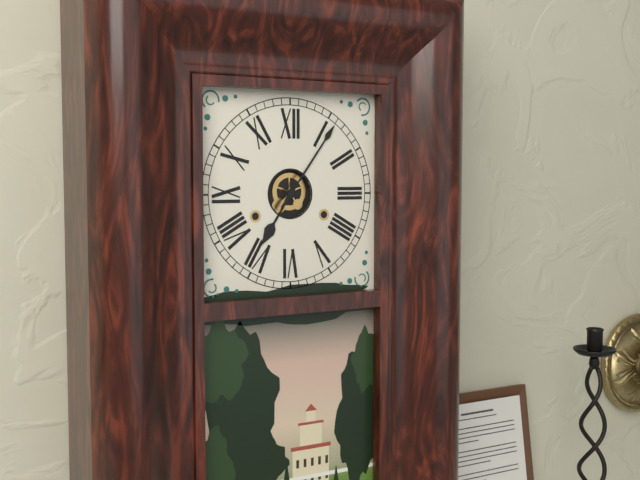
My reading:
**7:06**
